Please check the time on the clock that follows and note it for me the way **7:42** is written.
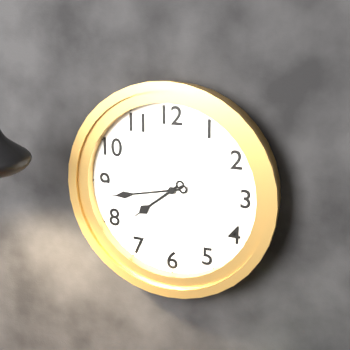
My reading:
**7:43**
